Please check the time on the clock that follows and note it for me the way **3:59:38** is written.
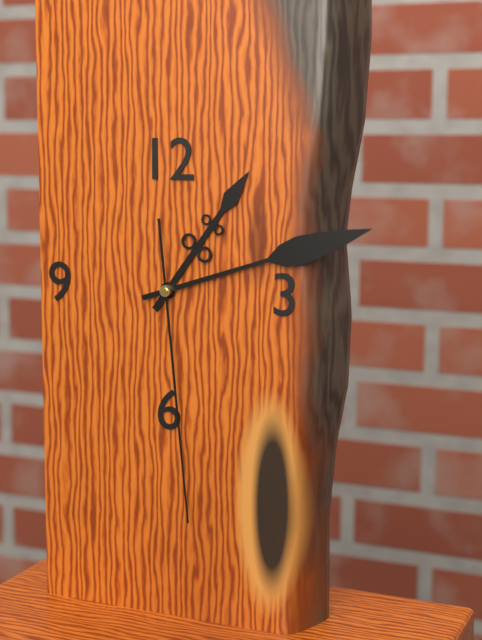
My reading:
**1:12:29**
